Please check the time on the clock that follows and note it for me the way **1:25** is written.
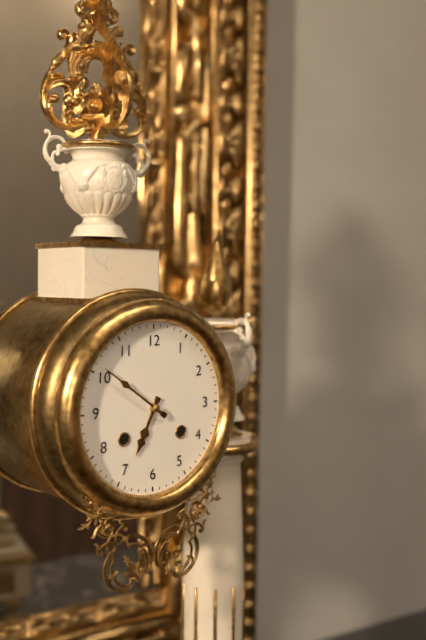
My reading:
**6:51**
